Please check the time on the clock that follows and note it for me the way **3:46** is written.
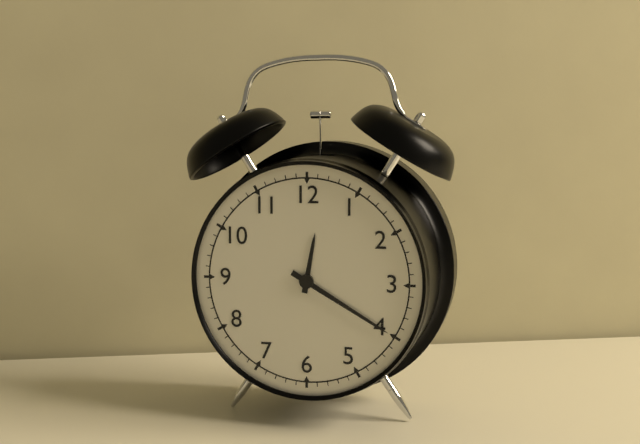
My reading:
**12:20**
